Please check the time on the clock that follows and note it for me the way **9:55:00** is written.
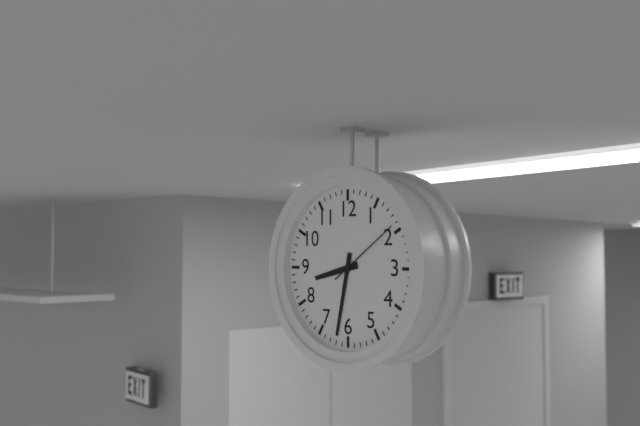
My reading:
**8:32:09**
